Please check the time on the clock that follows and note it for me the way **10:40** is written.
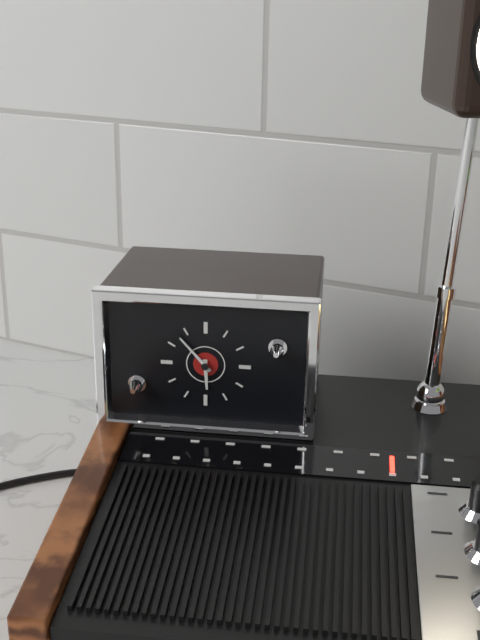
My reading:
**5:53**
